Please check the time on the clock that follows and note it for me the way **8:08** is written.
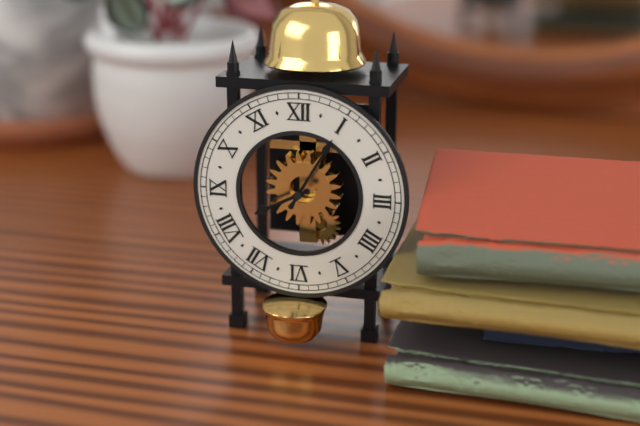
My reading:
**8:05**
